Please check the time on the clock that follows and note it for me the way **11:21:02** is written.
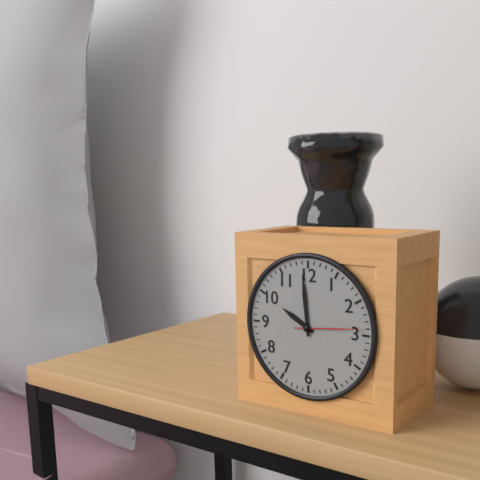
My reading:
**9:59:14**
